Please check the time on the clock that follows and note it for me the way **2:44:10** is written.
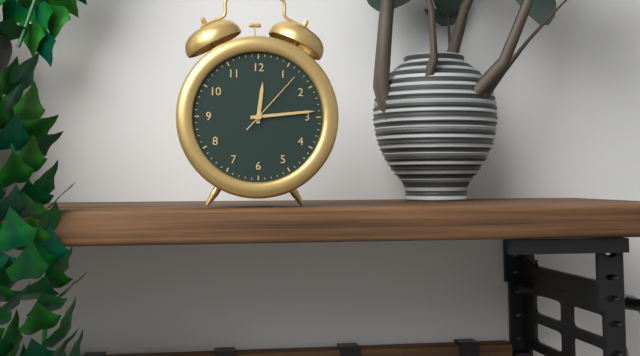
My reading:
**12:14:07**
